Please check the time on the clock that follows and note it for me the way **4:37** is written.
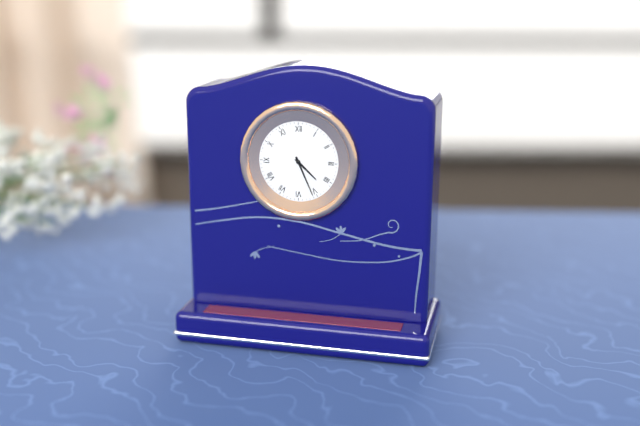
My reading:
**4:26**
